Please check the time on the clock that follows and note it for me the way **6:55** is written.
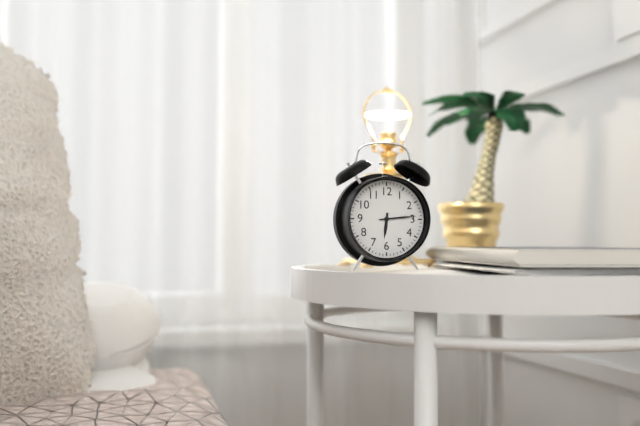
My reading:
**6:14**
